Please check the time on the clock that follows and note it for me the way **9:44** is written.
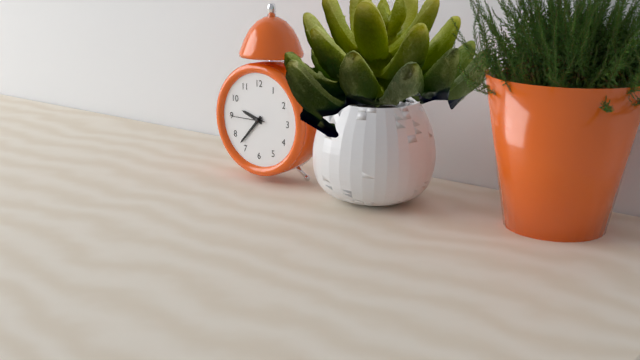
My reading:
**9:37**
